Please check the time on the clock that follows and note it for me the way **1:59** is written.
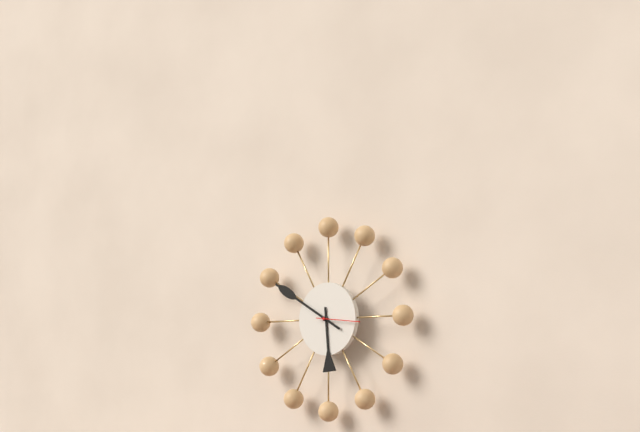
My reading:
**5:50**
